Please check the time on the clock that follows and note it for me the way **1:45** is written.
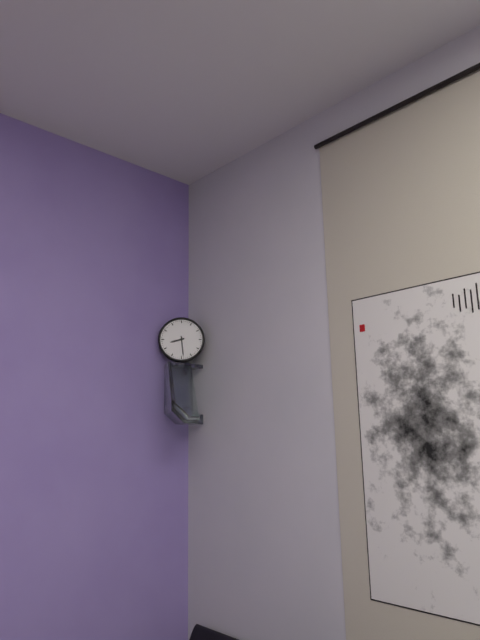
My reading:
**8:29**
